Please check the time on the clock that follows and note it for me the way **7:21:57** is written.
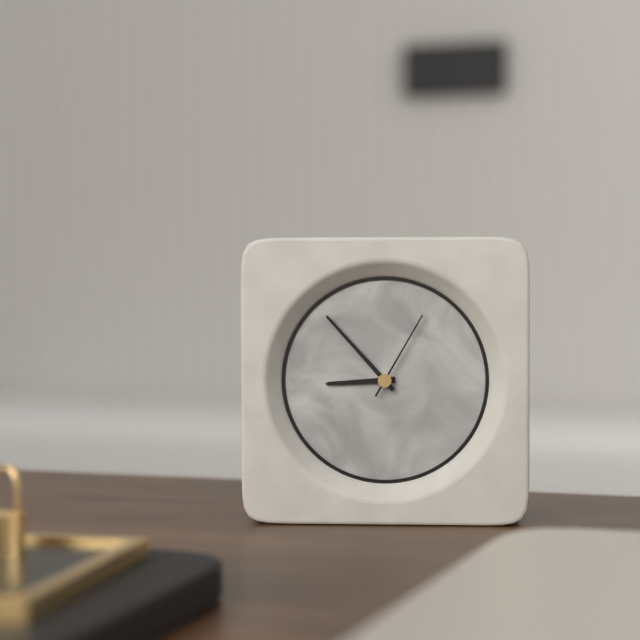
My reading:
**8:53:05**
